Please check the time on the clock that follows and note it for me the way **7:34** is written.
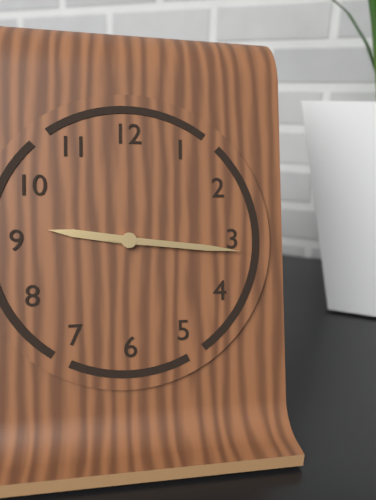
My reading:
**9:16**
